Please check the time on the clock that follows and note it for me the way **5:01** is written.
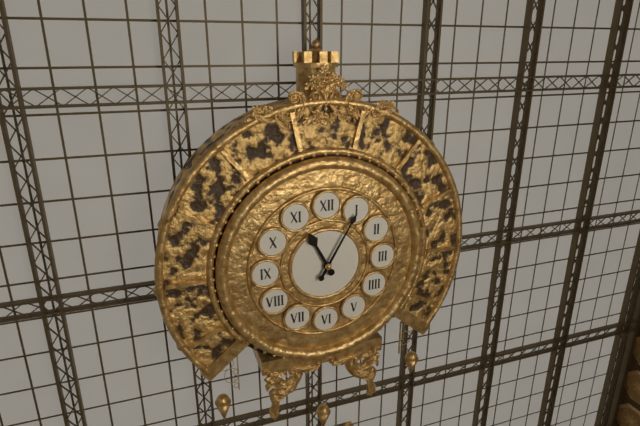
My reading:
**11:05**
